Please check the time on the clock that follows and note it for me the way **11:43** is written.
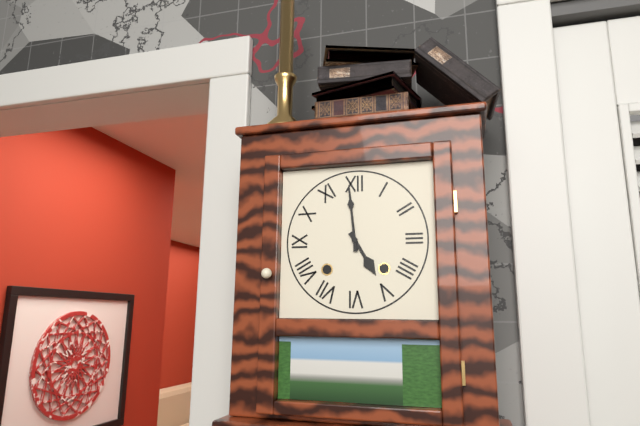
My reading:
**4:59**
